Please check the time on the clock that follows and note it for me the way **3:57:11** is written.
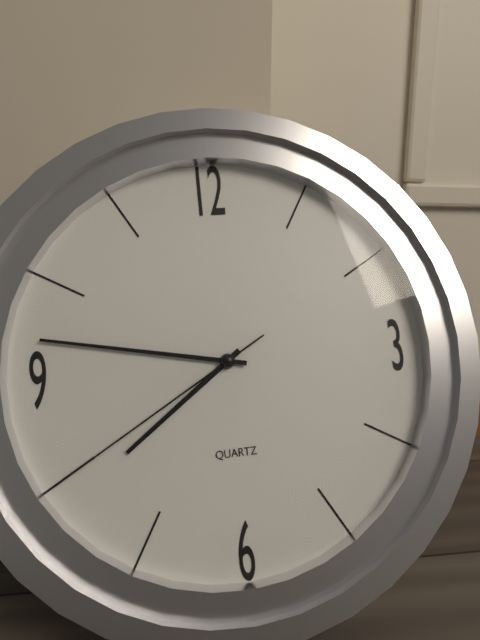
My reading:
**7:47:40**
